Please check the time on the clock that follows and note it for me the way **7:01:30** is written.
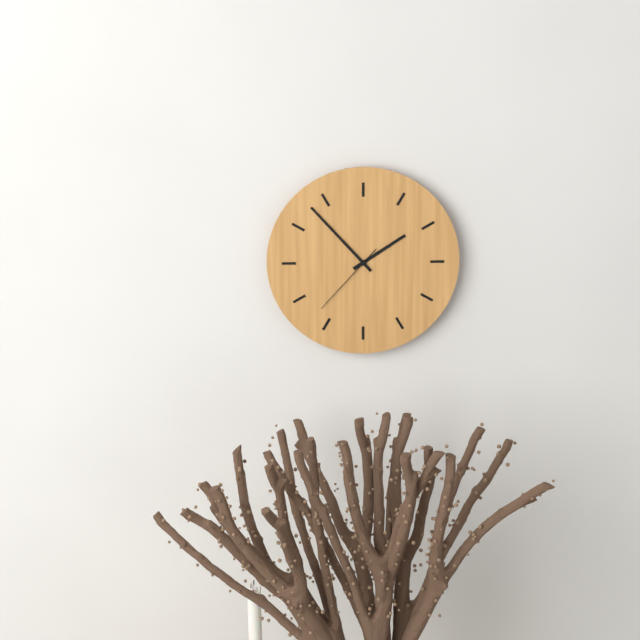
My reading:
**1:53:37**
